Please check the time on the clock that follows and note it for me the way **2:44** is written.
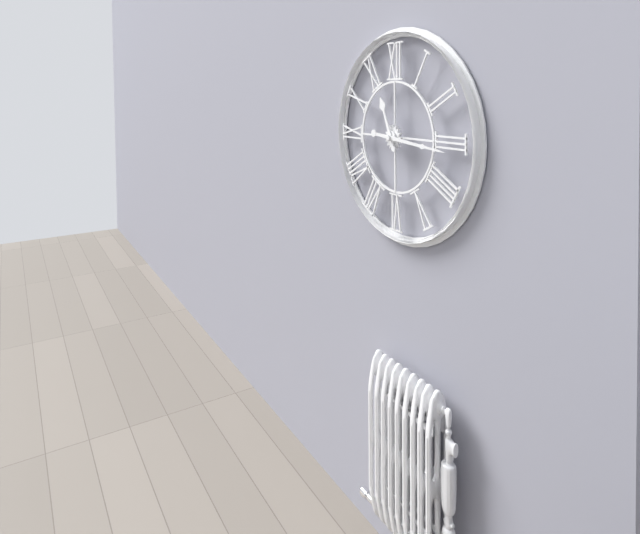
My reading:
**11:16**
